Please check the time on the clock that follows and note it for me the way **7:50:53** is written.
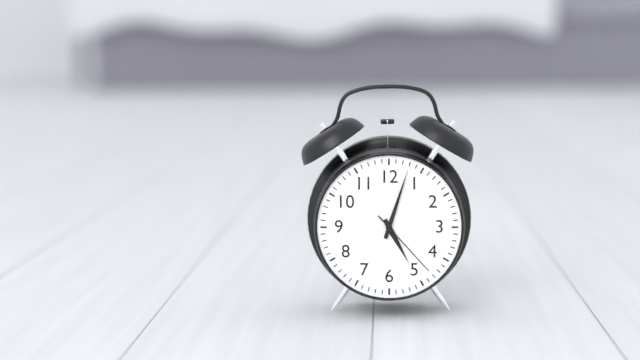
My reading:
**5:03:23**
